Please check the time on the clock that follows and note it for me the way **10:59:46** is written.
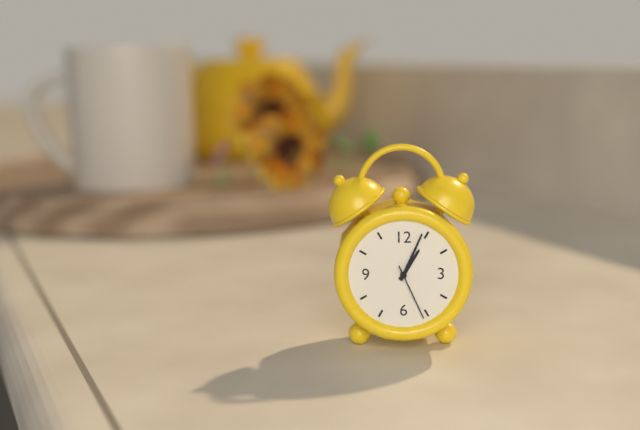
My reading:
**1:04:26**
